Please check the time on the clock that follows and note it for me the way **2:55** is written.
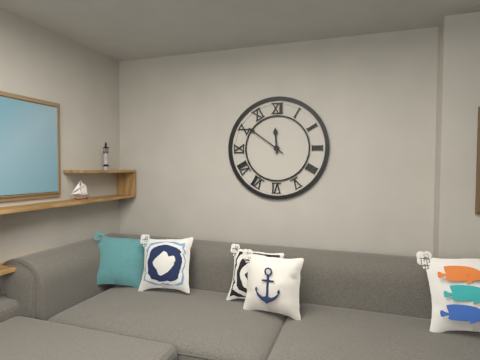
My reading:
**11:51**
